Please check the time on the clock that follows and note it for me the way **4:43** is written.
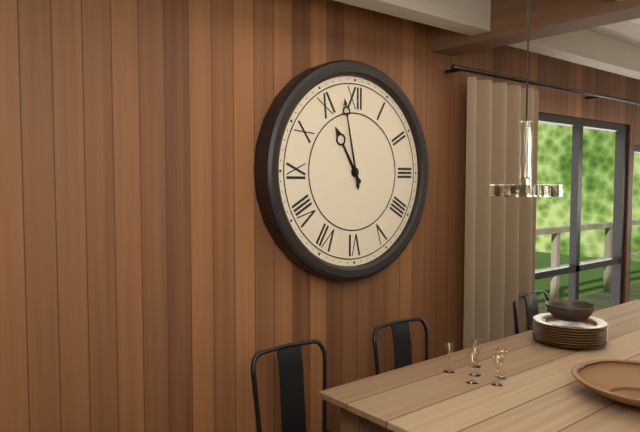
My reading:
**10:58**
